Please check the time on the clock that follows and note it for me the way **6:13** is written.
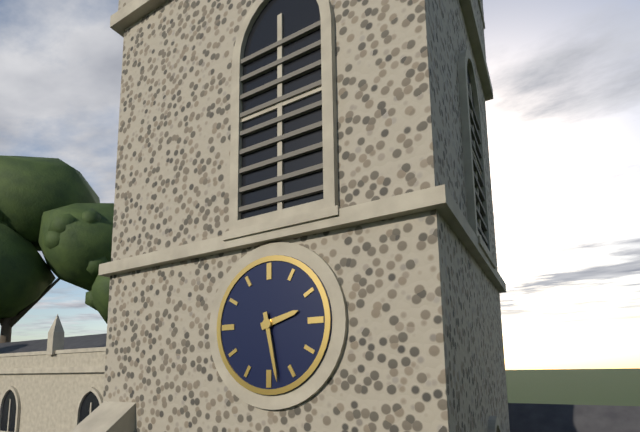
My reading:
**2:28**
